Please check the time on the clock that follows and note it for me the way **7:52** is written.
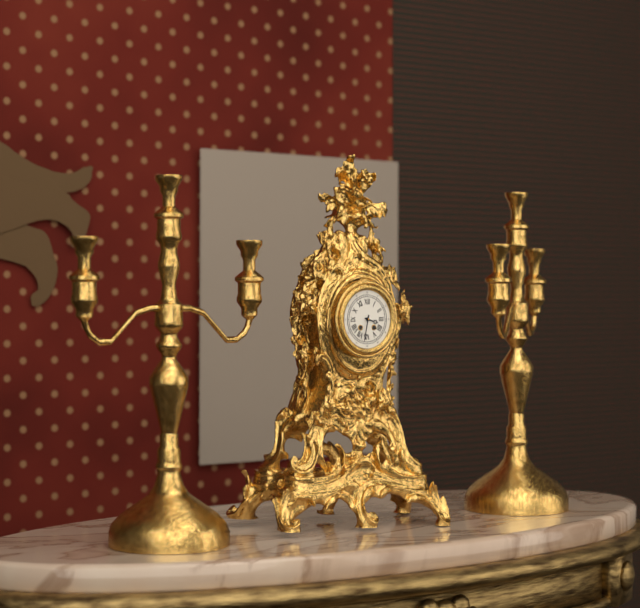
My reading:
**3:32**
